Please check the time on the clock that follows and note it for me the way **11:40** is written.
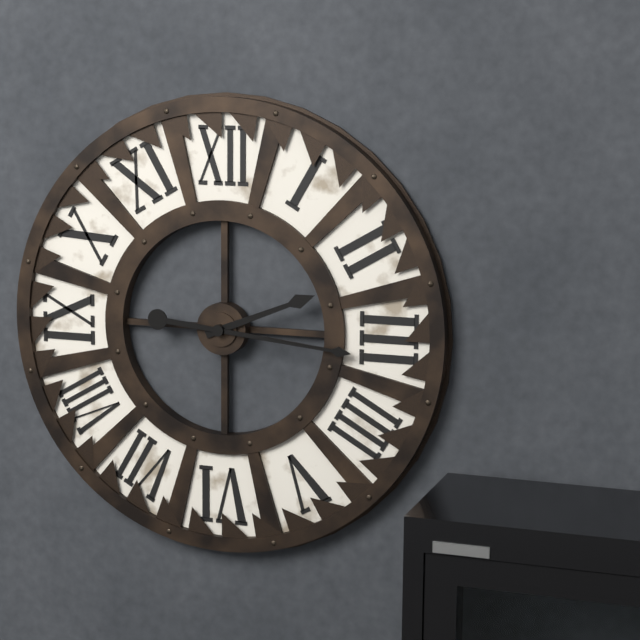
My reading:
**2:16**
